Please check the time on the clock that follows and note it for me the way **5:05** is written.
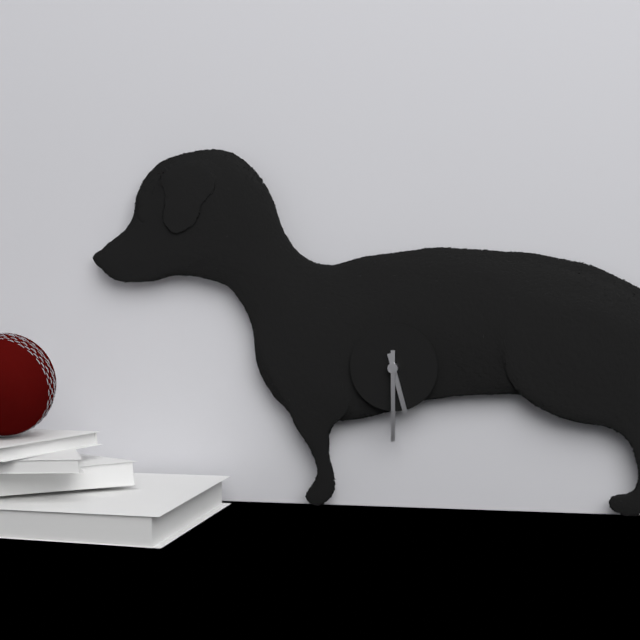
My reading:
**5:30**
